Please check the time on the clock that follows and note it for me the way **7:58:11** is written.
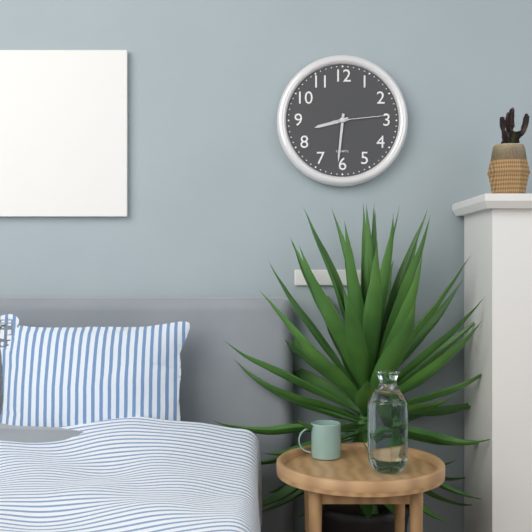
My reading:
**8:31:14**
